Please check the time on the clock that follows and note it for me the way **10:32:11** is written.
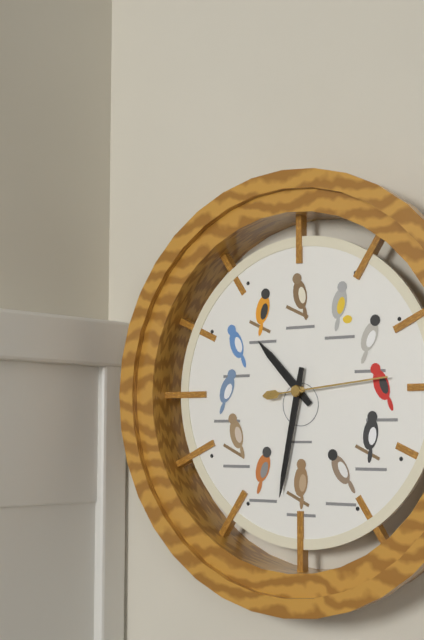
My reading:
**10:32:14**
